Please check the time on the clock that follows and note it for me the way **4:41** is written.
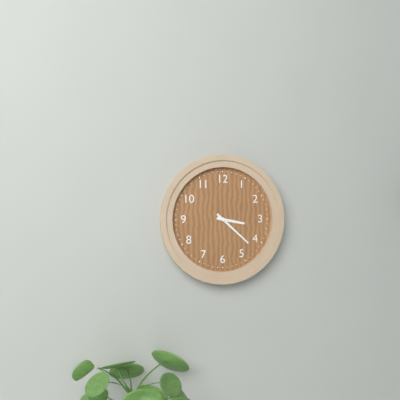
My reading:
**3:22**
